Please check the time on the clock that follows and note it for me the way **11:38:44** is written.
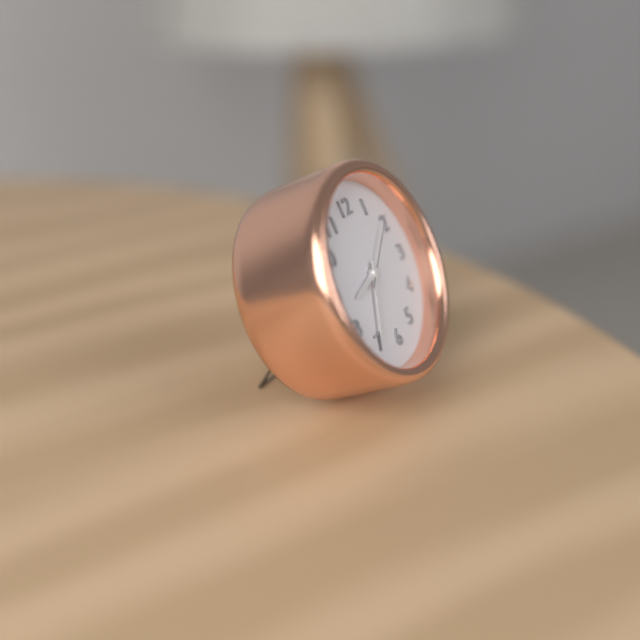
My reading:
**8:35:09**
